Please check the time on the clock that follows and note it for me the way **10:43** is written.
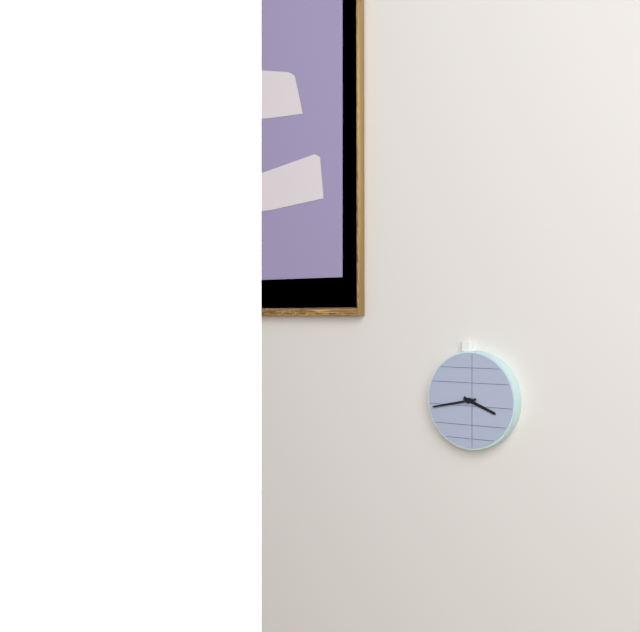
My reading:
**3:43**
